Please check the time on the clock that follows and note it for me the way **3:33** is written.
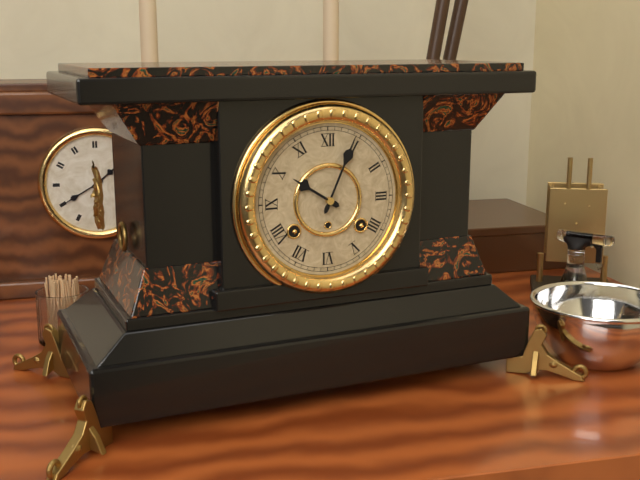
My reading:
**10:04**
